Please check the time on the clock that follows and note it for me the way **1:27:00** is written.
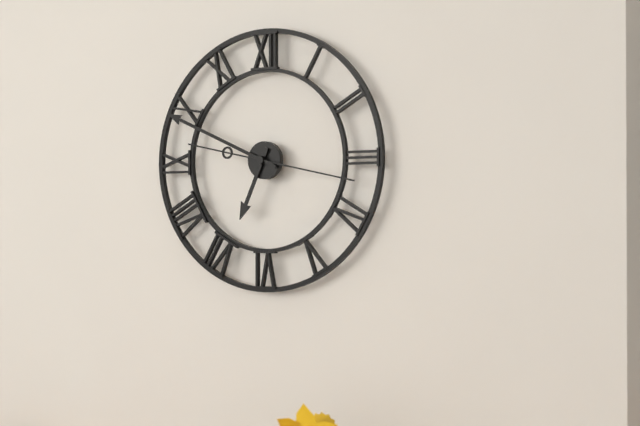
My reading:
**6:49:17**
